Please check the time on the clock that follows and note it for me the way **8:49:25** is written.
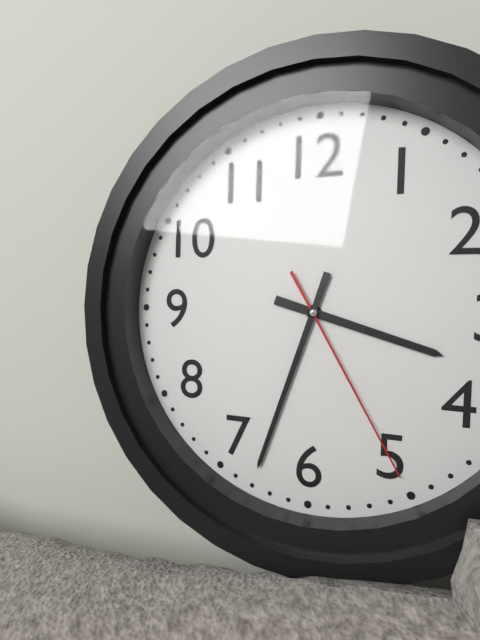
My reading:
**3:33:25**
